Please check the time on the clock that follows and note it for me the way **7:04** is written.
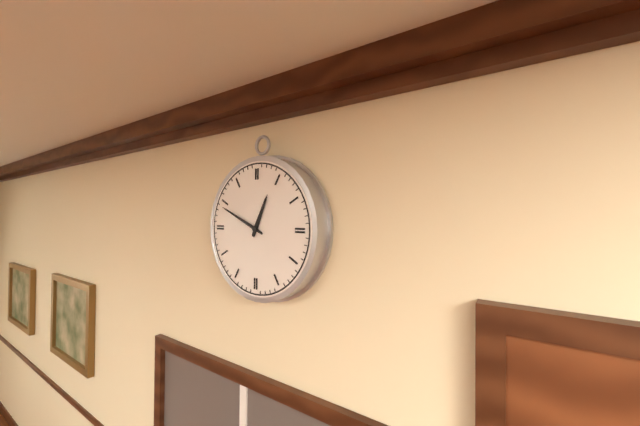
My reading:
**12:49**
